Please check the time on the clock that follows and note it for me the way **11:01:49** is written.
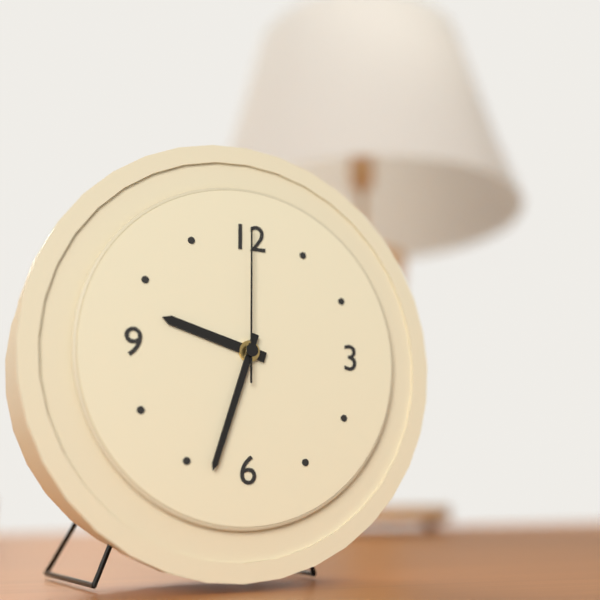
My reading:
**9:33:00**
